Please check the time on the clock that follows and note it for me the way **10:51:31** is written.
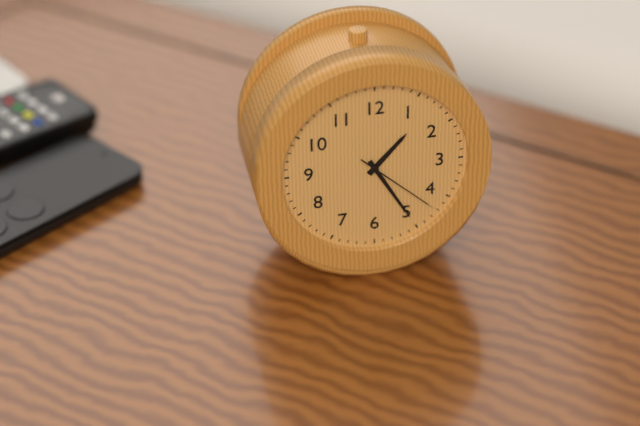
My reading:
**1:25:22**
